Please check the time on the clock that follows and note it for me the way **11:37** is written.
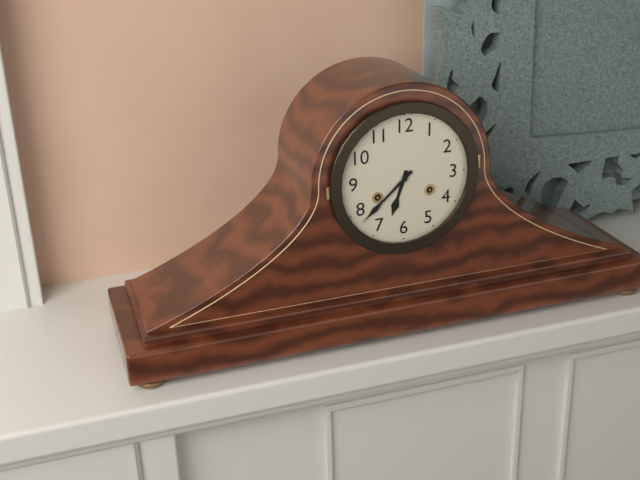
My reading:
**6:38**
